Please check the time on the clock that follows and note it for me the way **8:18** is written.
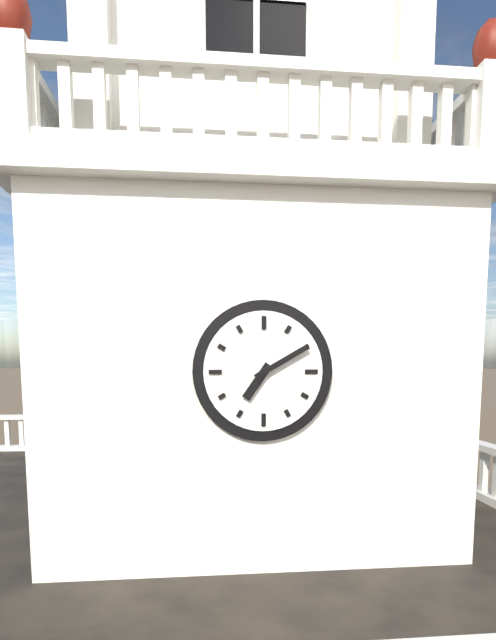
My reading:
**7:10**
